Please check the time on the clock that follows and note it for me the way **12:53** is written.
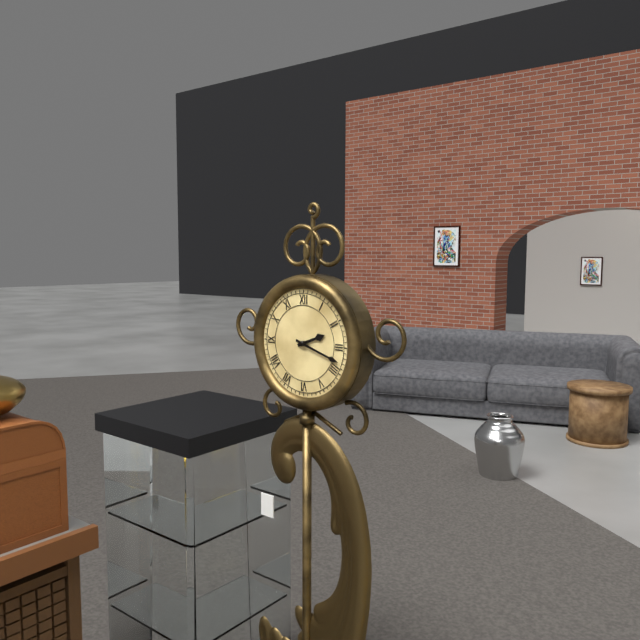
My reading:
**2:18**
